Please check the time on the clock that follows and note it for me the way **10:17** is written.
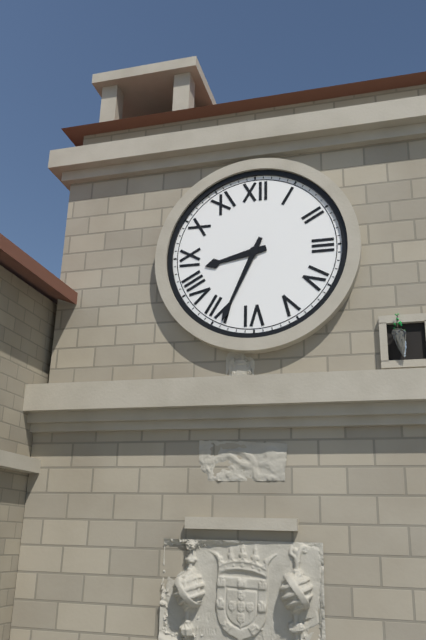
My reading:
**8:34**
